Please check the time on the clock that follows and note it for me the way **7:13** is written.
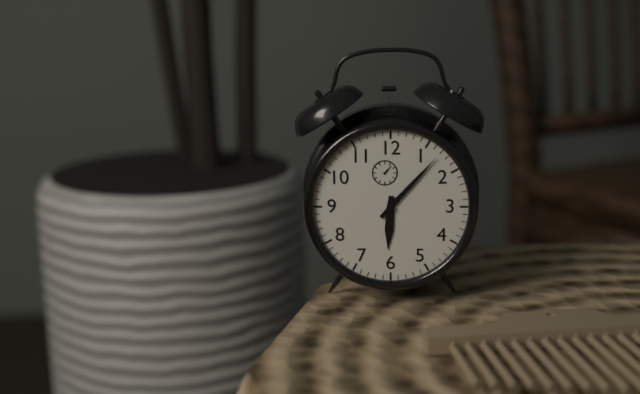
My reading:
**6:07**
